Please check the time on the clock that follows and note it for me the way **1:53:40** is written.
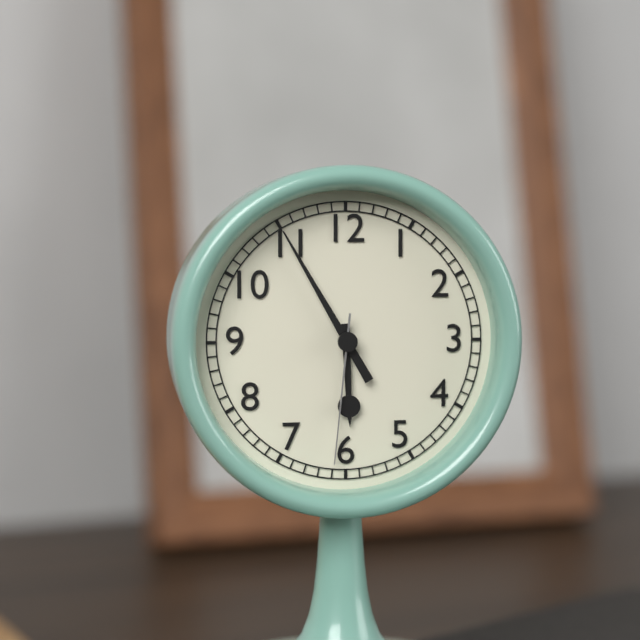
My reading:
**5:55:31**
